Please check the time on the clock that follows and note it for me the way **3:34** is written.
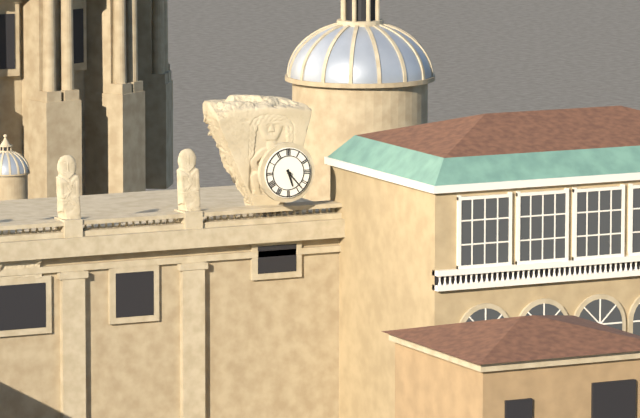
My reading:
**5:23**
